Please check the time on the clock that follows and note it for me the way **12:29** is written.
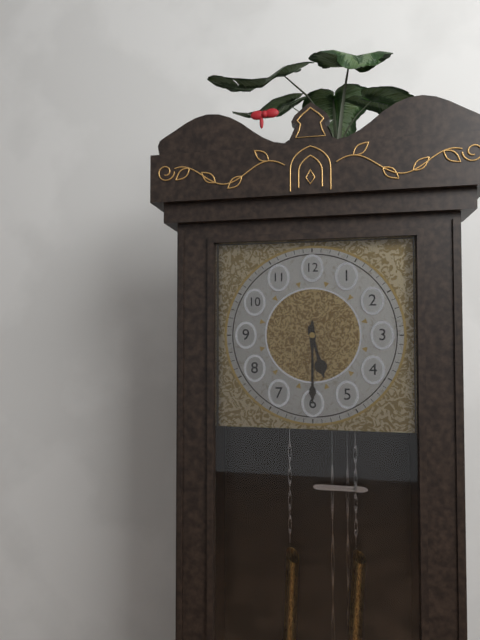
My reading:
**5:30**
